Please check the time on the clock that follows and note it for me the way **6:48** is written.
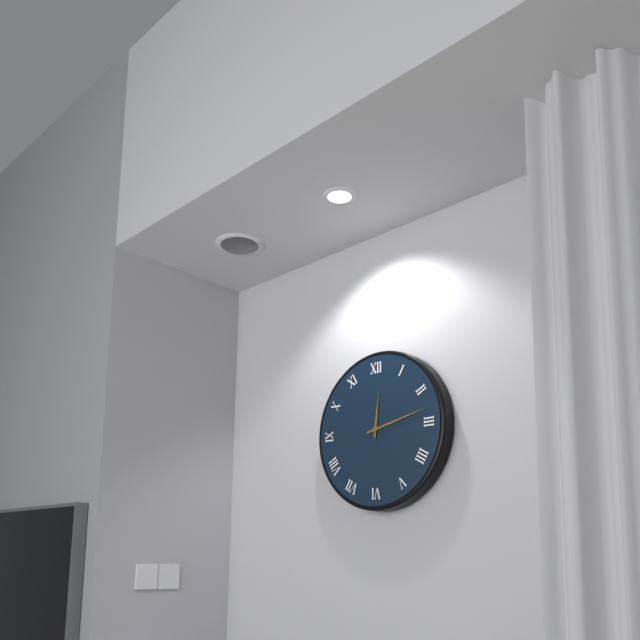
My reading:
**12:13**
